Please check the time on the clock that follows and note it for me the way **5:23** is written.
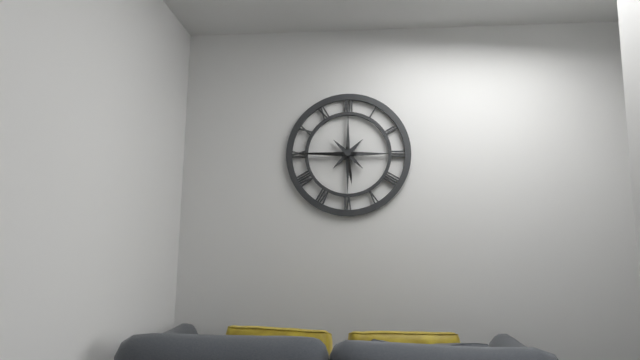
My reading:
**5:45**
